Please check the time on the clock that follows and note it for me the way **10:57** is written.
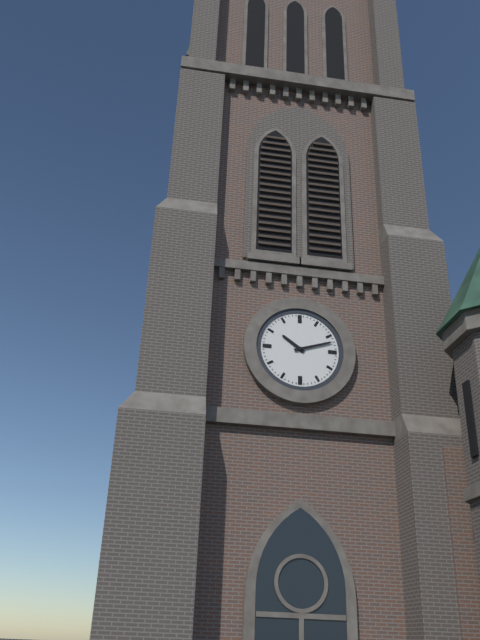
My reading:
**10:12**
